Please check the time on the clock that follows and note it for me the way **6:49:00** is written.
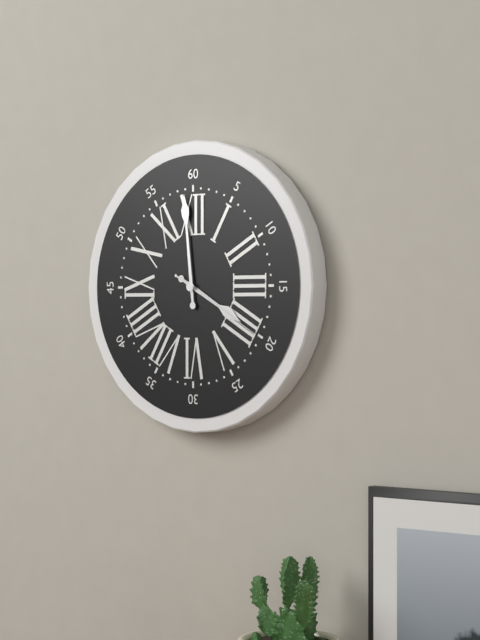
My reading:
**3:59:20**
